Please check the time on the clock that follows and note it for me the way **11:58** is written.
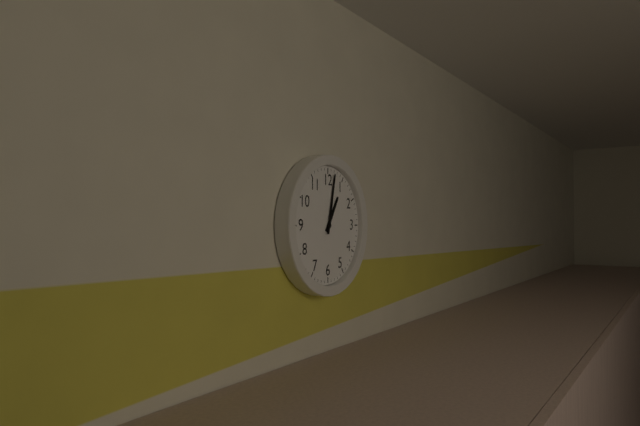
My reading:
**1:02**
